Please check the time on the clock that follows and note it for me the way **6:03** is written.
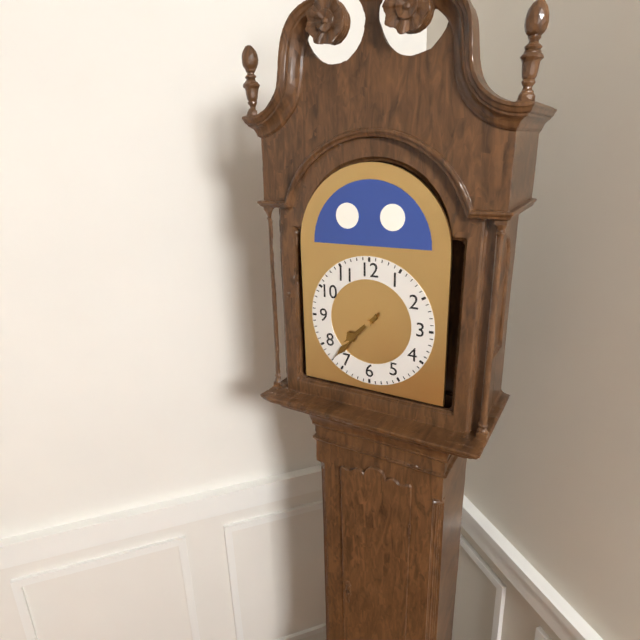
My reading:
**7:37**
